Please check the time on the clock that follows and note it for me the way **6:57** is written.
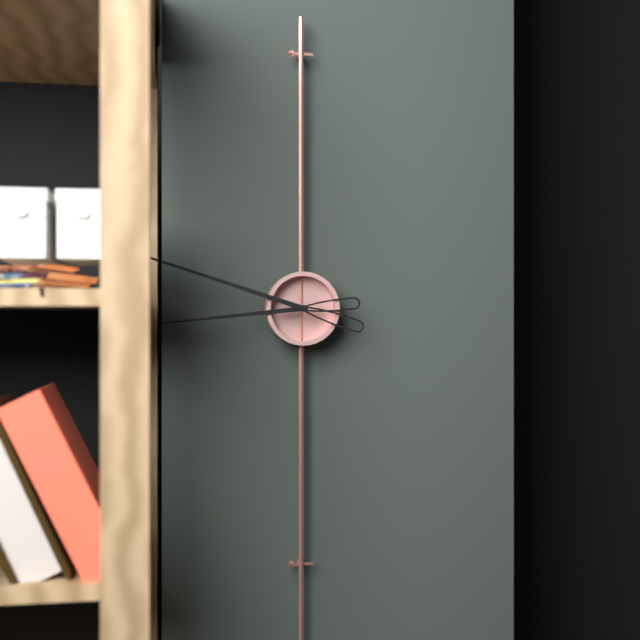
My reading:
**8:48**
